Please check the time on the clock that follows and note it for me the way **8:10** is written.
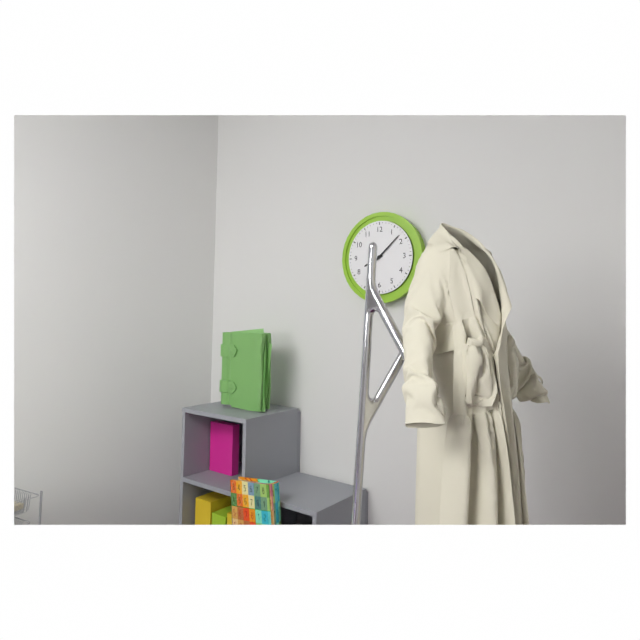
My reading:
**8:08**
